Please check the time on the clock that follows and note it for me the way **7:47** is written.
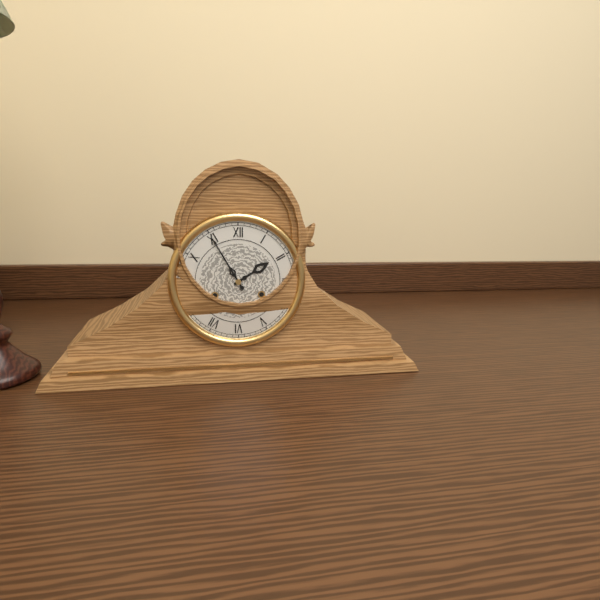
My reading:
**1:55**
